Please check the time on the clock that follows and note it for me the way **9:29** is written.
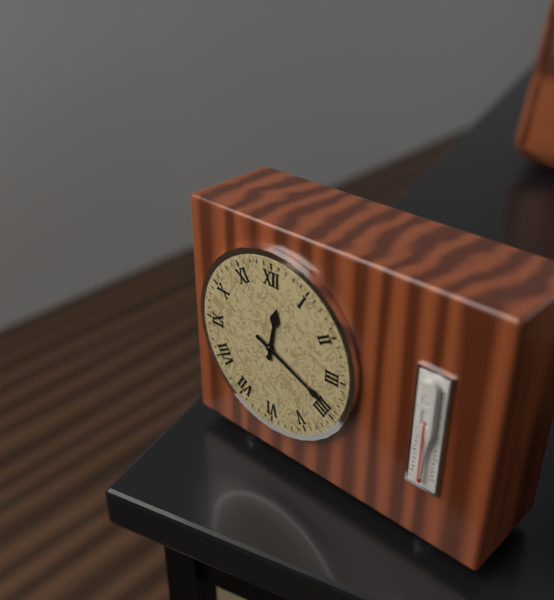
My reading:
**12:19**
